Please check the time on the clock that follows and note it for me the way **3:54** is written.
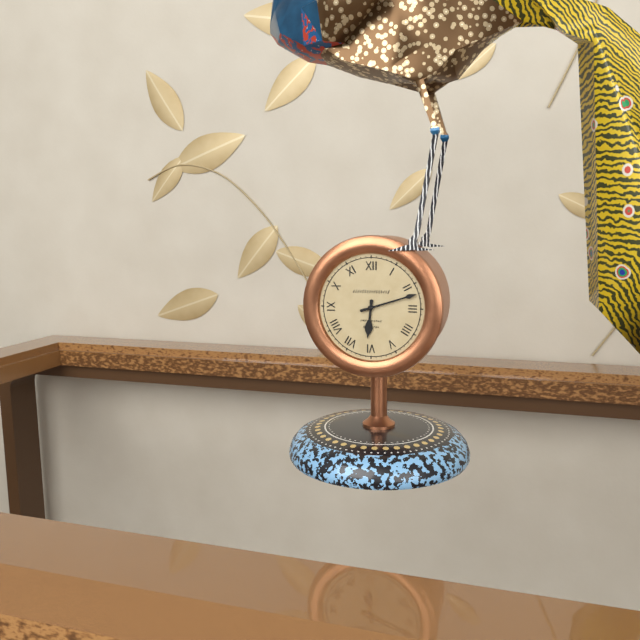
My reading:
**6:12**
